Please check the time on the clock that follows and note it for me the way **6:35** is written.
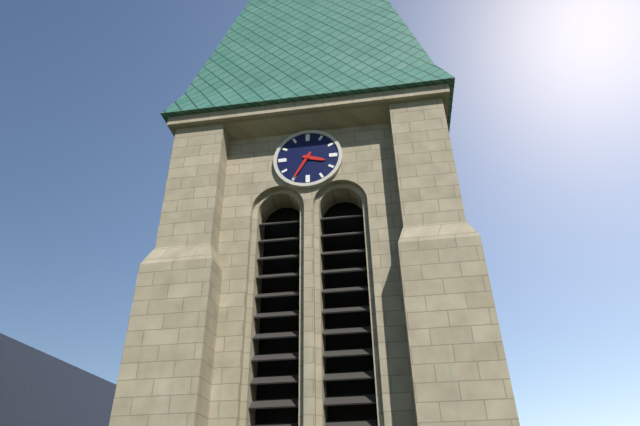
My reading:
**3:35**
